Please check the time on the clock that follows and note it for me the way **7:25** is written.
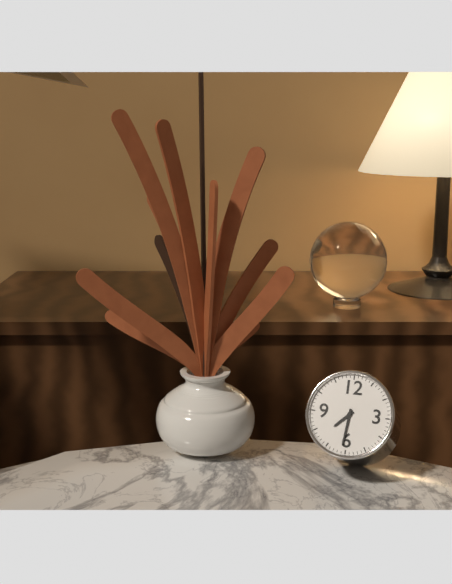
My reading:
**7:31**
